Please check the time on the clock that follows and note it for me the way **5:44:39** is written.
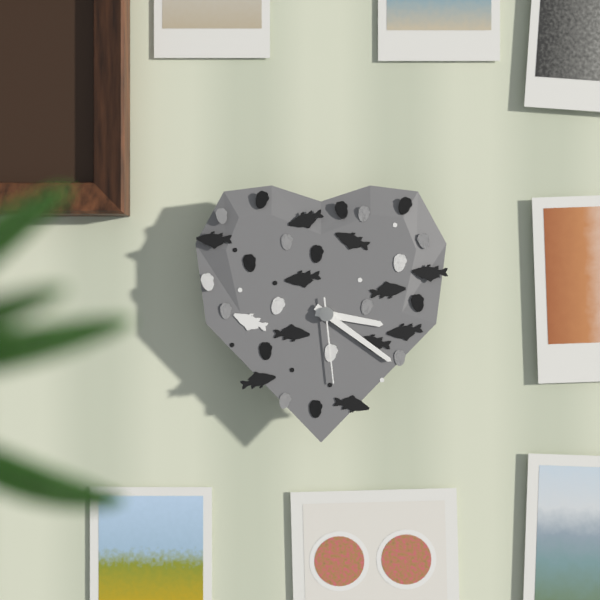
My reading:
**3:21:29**
